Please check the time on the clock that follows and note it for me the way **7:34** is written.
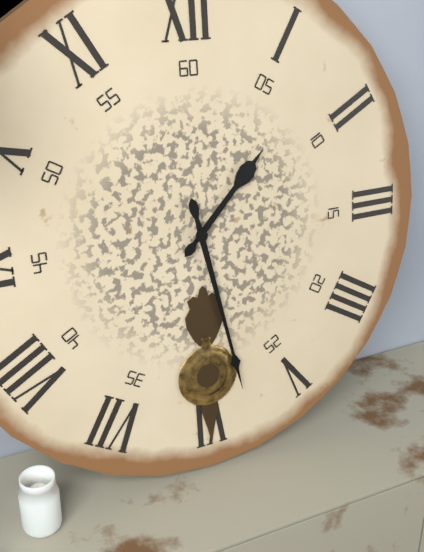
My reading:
**1:28**
